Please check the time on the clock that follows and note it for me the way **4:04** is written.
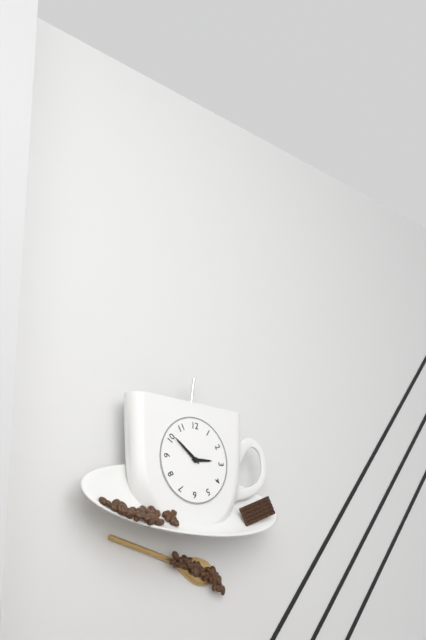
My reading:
**2:51**
